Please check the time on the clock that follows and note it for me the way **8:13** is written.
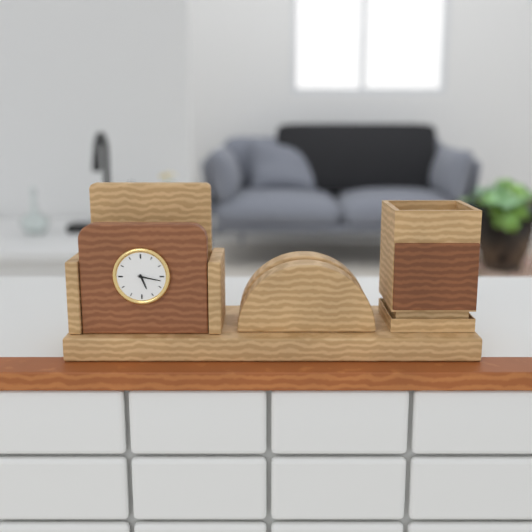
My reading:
**5:17**
